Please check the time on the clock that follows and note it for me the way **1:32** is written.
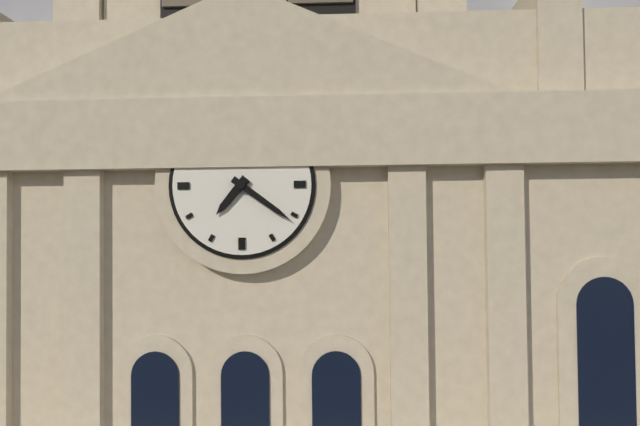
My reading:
**7:21**
